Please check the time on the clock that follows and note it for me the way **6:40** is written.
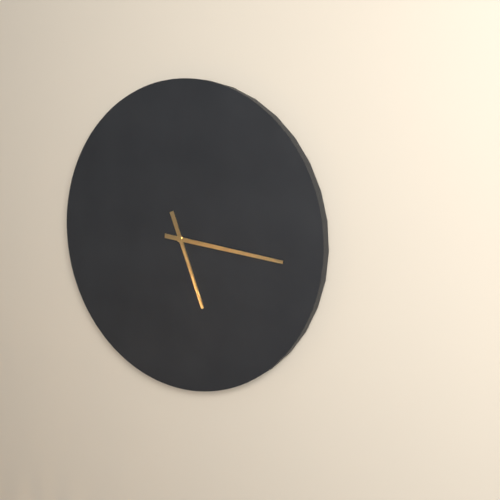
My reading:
**5:16**
